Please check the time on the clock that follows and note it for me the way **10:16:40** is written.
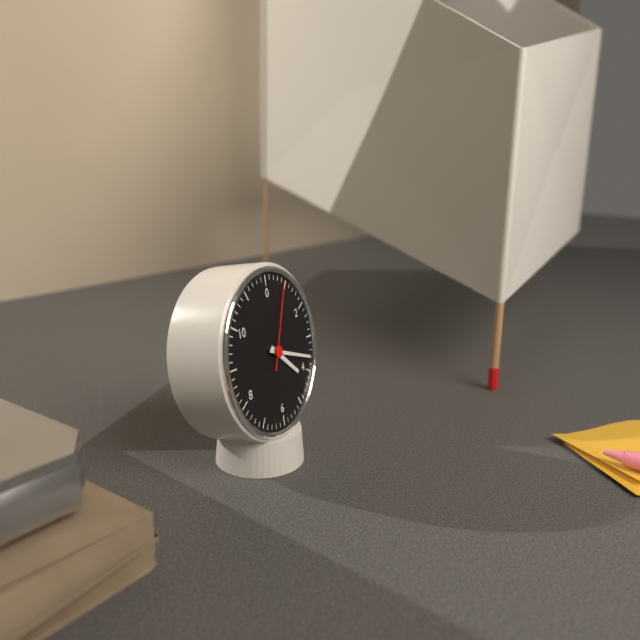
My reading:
**4:18:04**
